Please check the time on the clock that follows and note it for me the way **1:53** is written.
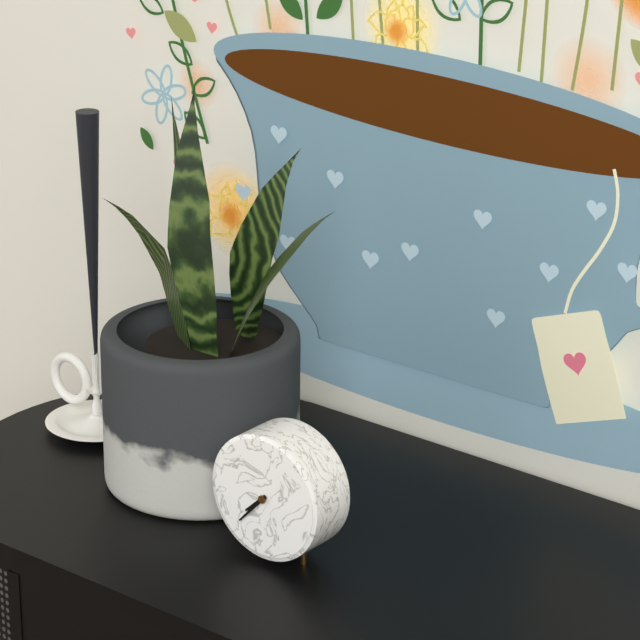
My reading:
**7:37**
